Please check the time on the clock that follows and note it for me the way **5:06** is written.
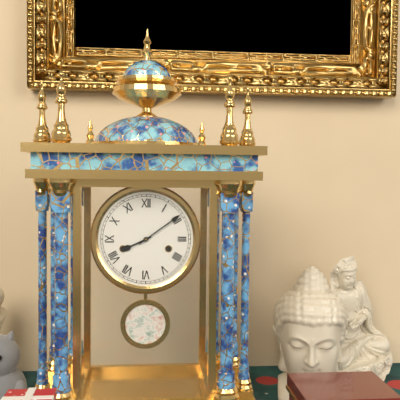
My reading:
**8:09**
